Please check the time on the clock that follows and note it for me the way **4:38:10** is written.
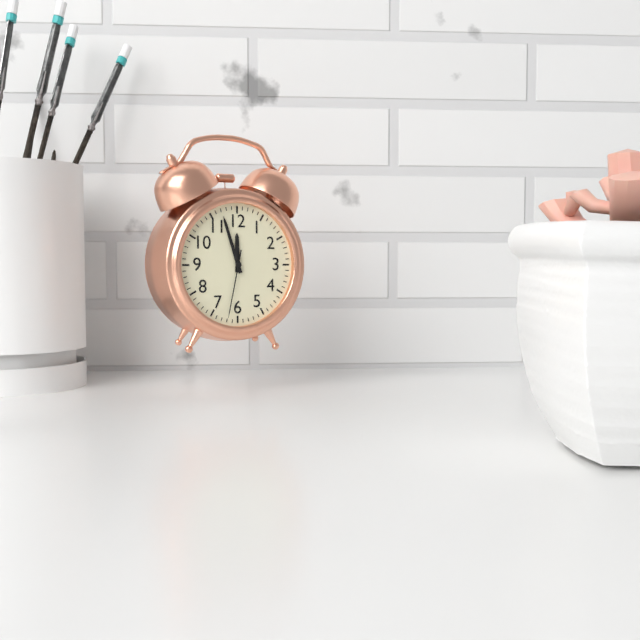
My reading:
**11:57:32**
